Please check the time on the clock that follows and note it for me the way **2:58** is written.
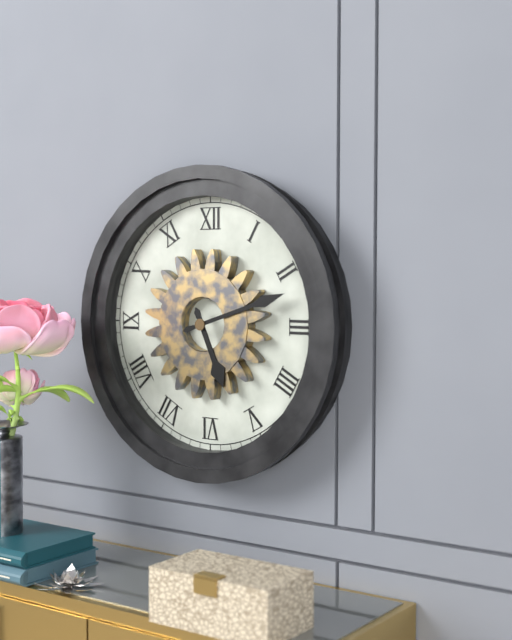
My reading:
**5:12**
